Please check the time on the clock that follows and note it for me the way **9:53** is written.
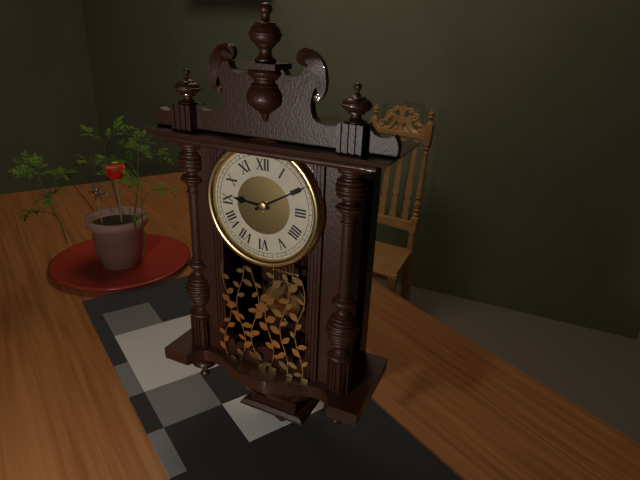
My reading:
**9:10**
